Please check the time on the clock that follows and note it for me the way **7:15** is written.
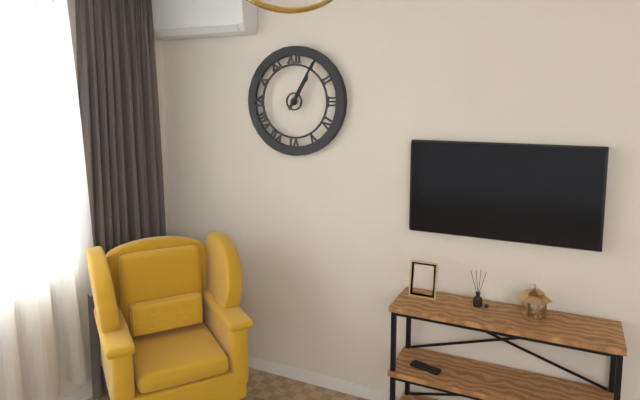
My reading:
**1:05**
